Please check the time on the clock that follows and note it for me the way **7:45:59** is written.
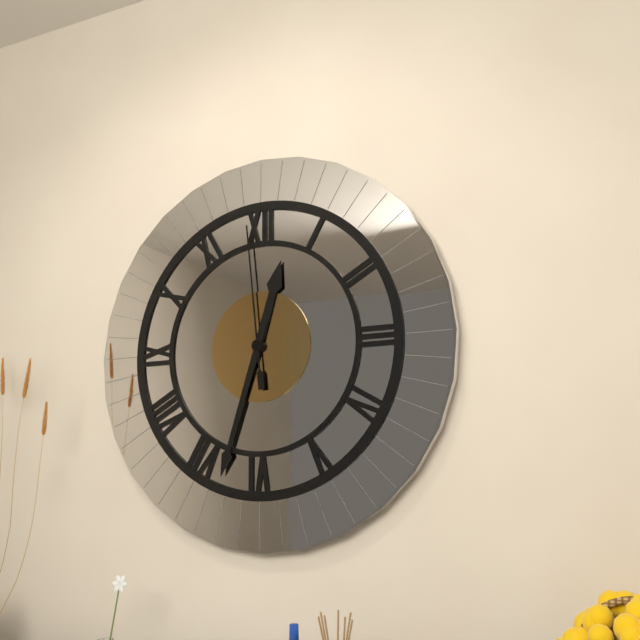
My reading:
**12:33:59**
